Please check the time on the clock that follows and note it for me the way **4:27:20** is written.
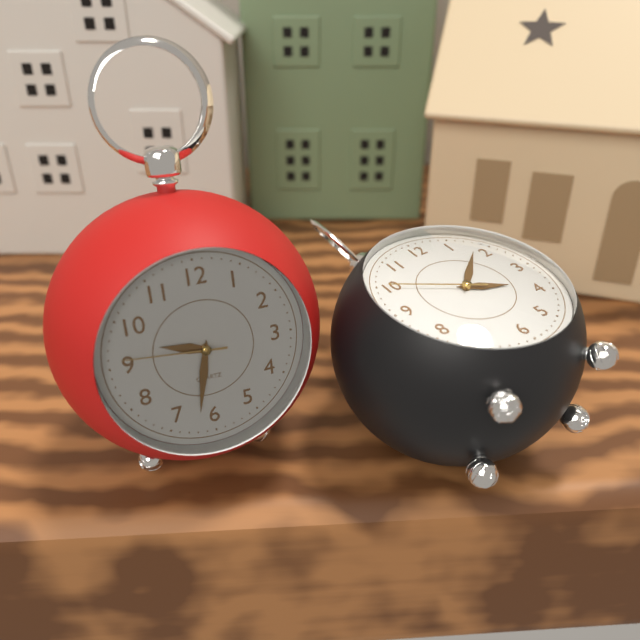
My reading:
**9:32:46**
